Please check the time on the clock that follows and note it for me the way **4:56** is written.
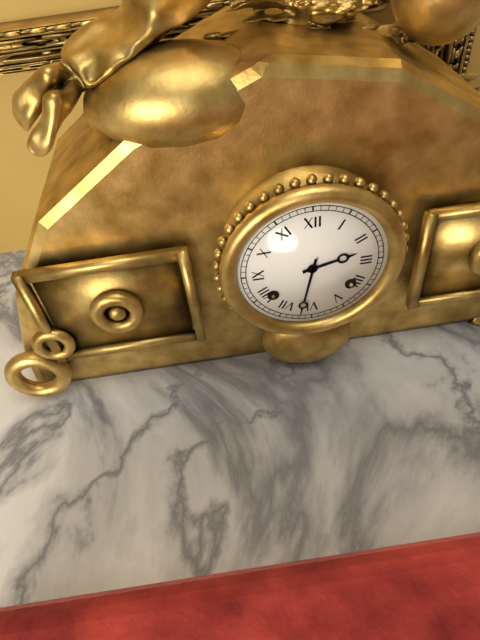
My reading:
**2:32**
